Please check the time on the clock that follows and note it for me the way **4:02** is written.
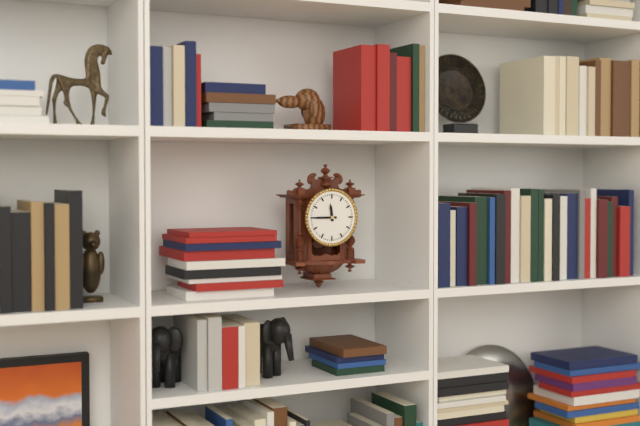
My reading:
**11:45**
